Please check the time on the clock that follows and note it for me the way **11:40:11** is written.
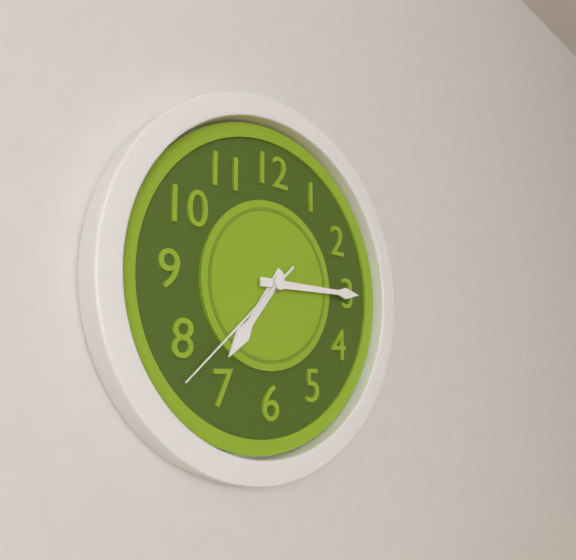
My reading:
**7:15:38**
